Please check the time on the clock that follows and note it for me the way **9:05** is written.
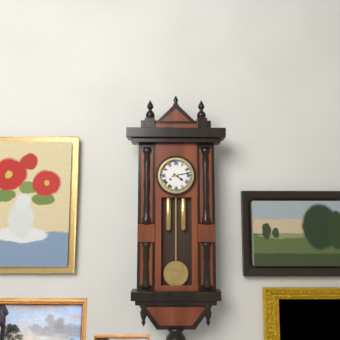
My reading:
**4:13**
